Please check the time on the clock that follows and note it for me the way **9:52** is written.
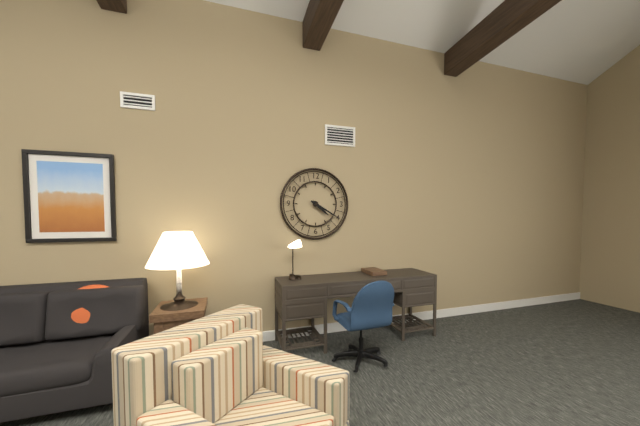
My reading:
**4:20**
